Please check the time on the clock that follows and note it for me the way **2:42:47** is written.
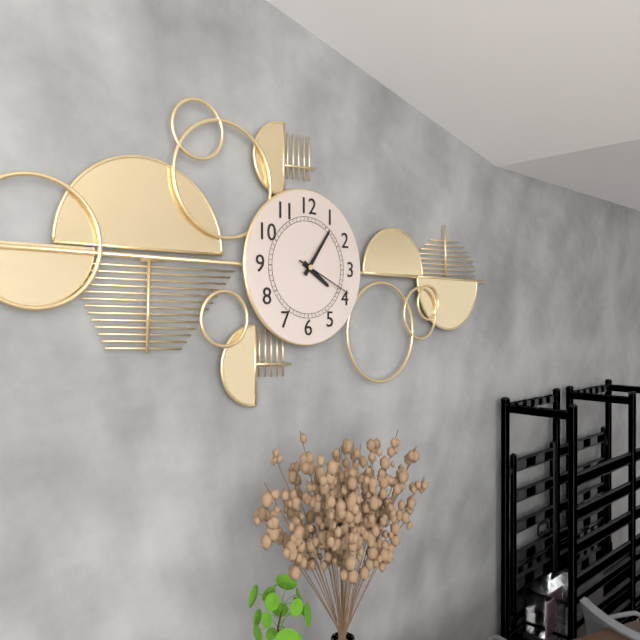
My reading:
**4:06:19**
